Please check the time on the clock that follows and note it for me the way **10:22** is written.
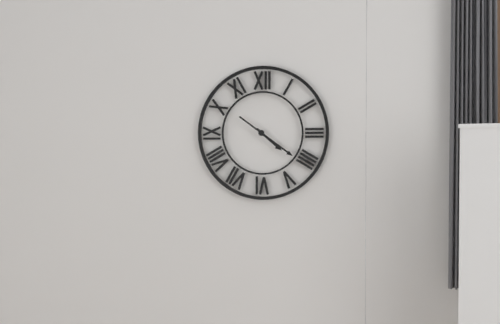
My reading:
**4:21**
